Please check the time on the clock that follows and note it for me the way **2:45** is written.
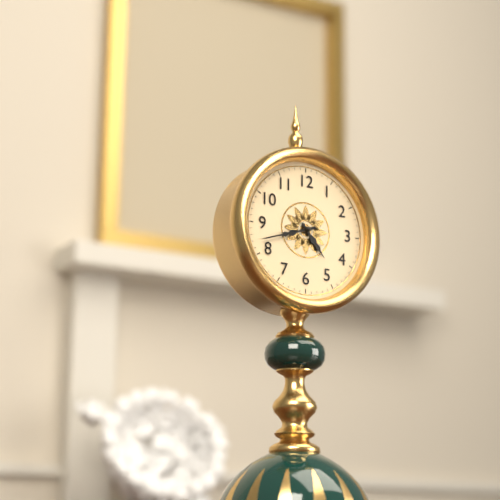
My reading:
**4:42**
